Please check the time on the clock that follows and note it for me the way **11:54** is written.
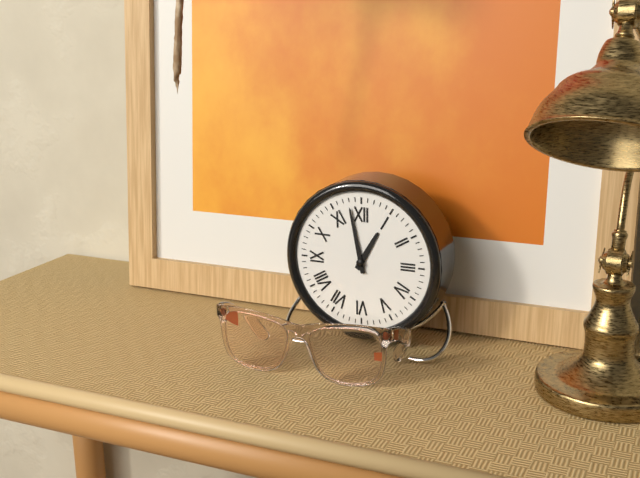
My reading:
**12:58**
